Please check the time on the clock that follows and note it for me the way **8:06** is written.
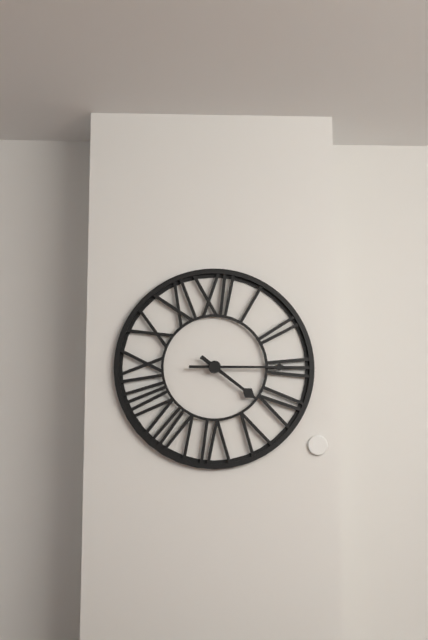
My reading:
**4:15**
